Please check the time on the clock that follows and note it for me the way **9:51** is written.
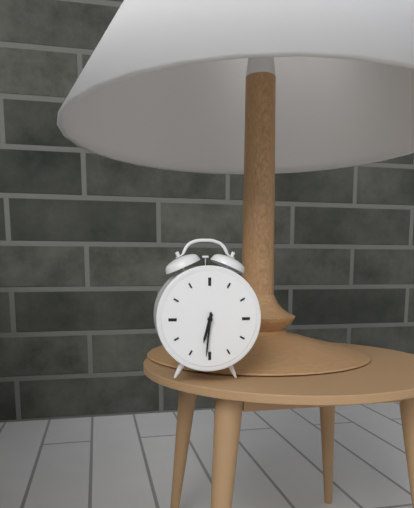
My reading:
**6:31**
